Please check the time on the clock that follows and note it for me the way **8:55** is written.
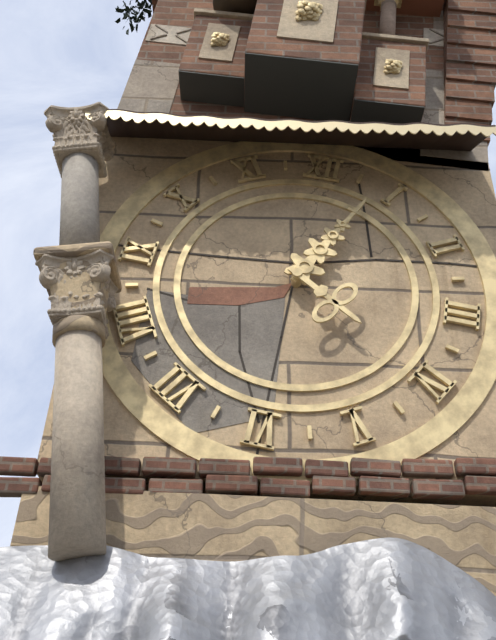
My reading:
**4:04**
